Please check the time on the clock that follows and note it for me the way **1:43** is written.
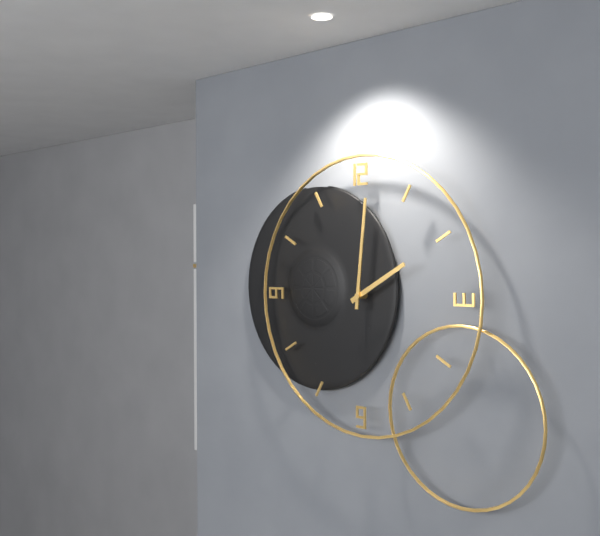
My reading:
**2:01**
